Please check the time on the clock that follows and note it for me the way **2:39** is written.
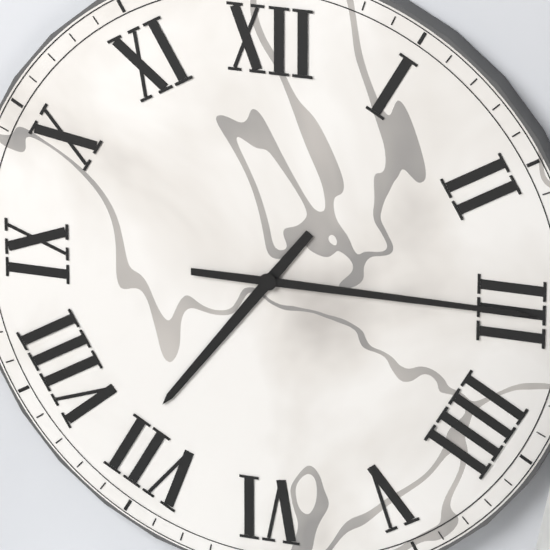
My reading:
**7:15**
